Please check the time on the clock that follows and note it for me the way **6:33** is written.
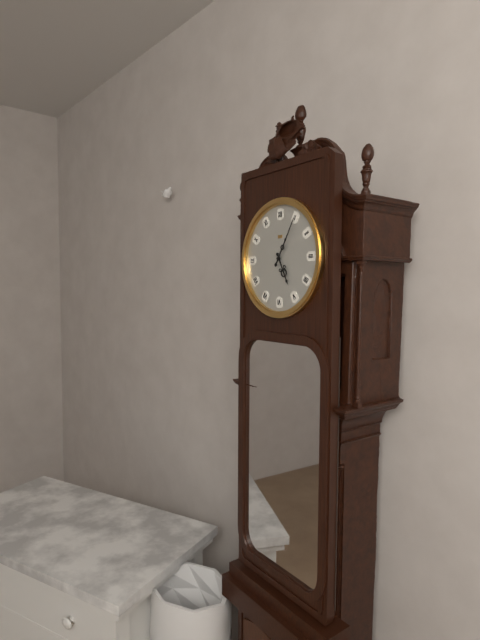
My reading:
**5:05**
